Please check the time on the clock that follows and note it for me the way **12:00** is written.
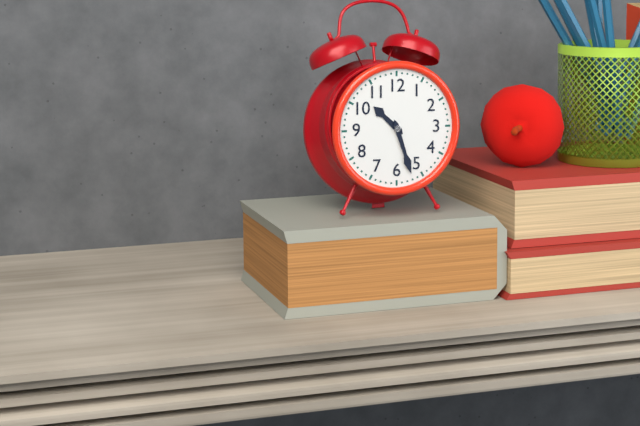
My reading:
**10:27**
